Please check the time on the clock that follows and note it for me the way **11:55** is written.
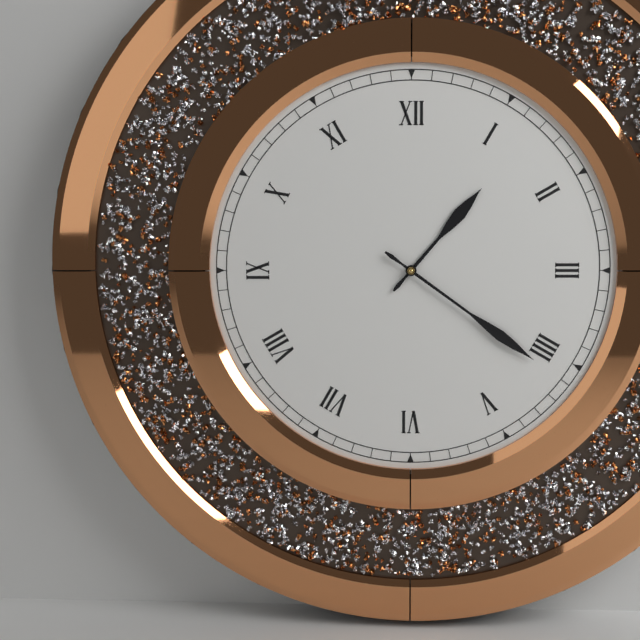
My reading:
**1:21**
